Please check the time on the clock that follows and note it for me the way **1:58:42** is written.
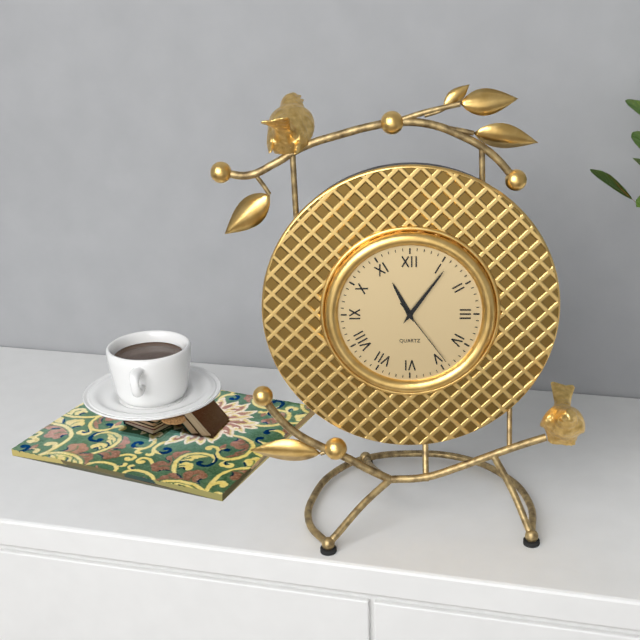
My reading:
**11:06:24**
